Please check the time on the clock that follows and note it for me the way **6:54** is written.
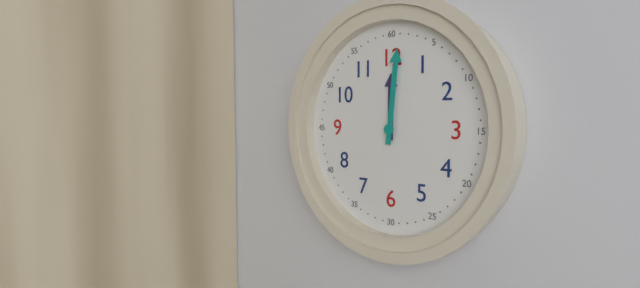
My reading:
**12:01**
